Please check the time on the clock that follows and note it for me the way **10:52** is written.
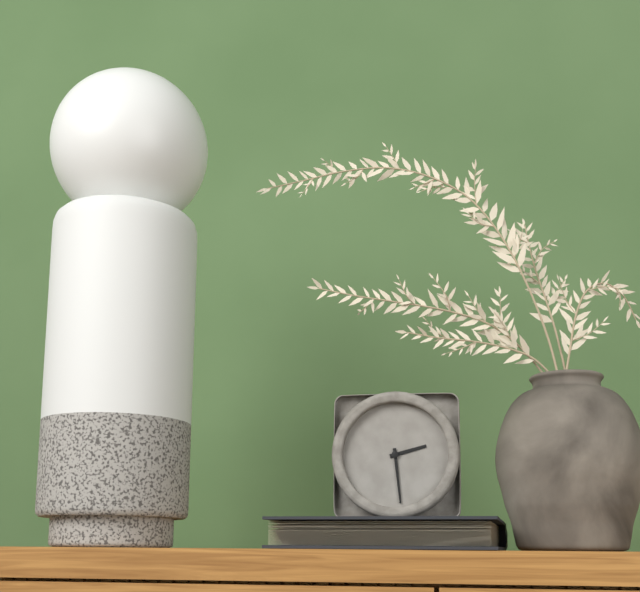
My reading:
**2:29**
